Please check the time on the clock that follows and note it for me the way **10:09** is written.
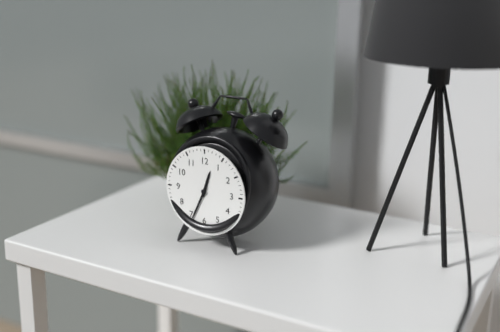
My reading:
**12:34**
